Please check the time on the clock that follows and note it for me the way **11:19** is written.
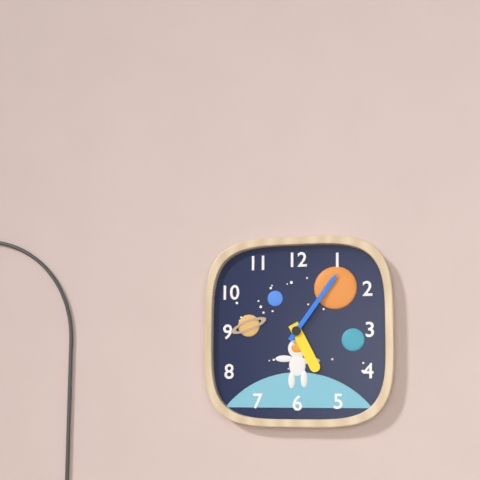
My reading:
**5:06**
